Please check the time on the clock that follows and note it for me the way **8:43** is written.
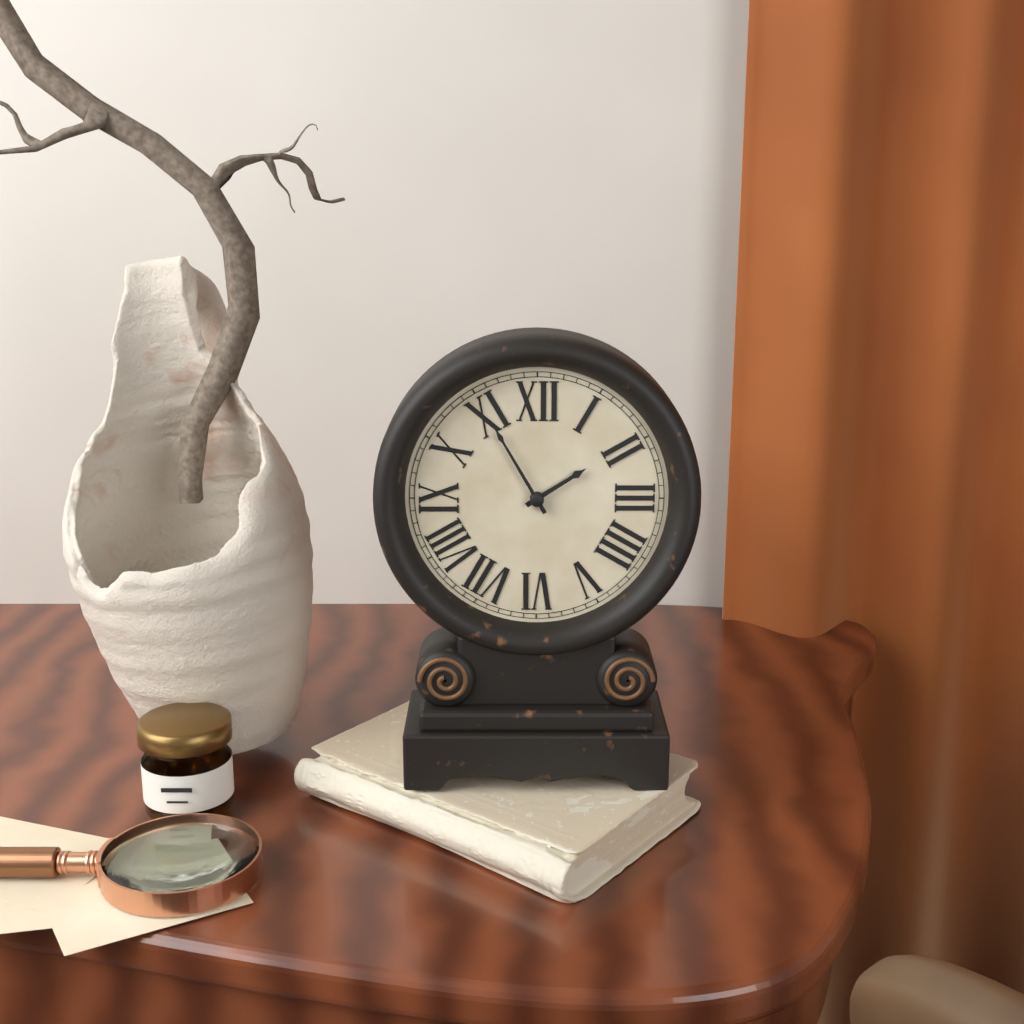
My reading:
**1:55**
